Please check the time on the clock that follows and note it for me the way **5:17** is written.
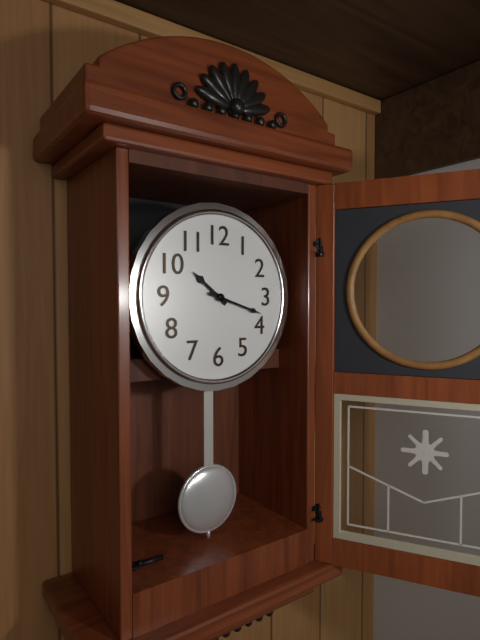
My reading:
**10:18**
